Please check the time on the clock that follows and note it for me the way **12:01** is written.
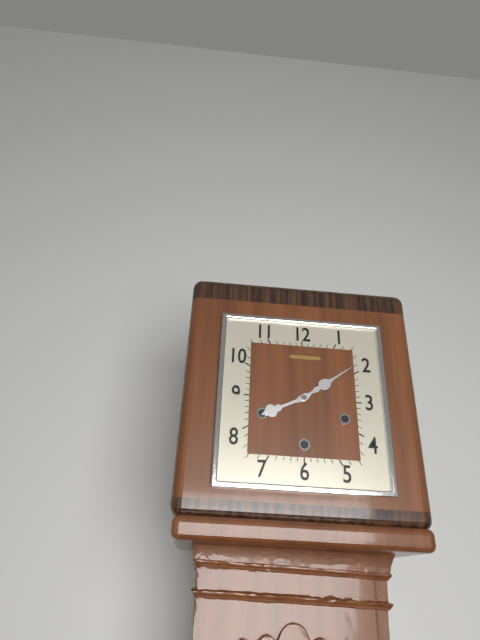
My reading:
**8:09**
